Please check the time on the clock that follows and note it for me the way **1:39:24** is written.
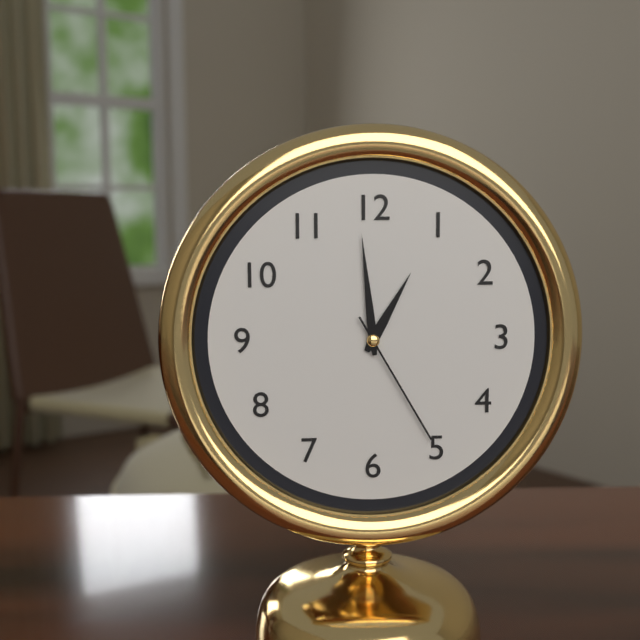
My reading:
**12:59:25**
